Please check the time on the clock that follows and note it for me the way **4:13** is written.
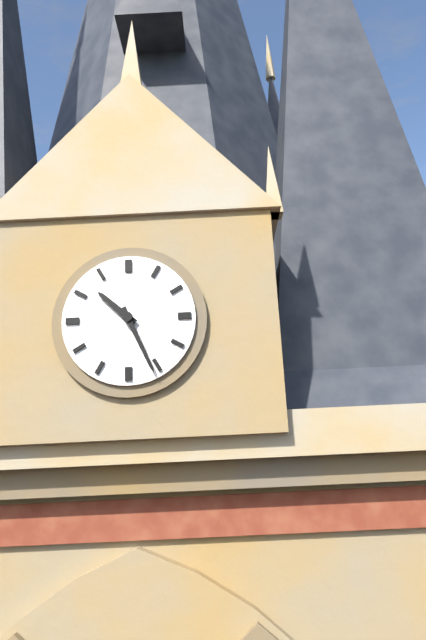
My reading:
**10:26**
